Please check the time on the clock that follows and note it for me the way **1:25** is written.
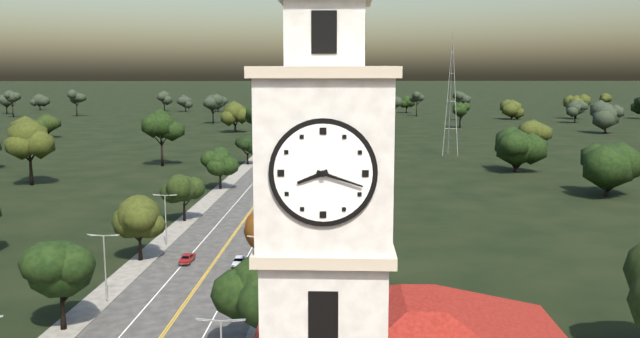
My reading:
**8:18**
